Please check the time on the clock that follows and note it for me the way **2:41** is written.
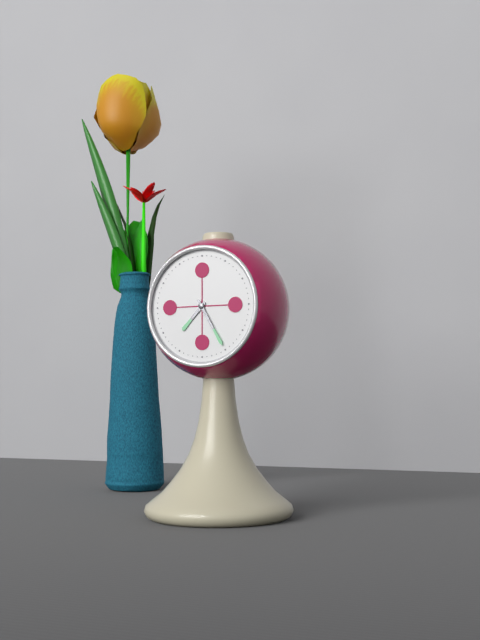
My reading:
**7:25**
